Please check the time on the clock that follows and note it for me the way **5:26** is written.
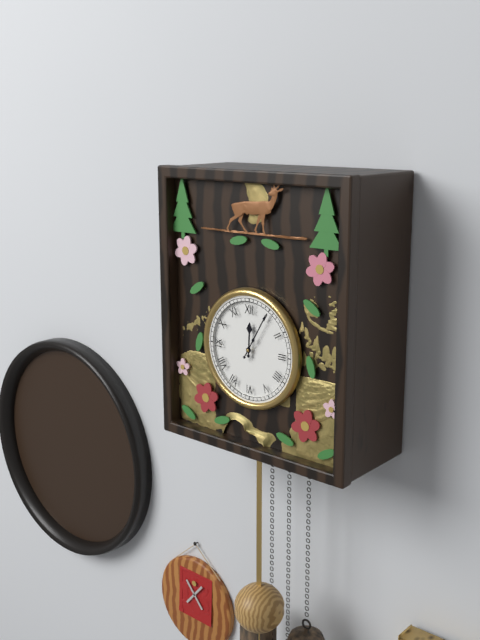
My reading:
**12:05**
